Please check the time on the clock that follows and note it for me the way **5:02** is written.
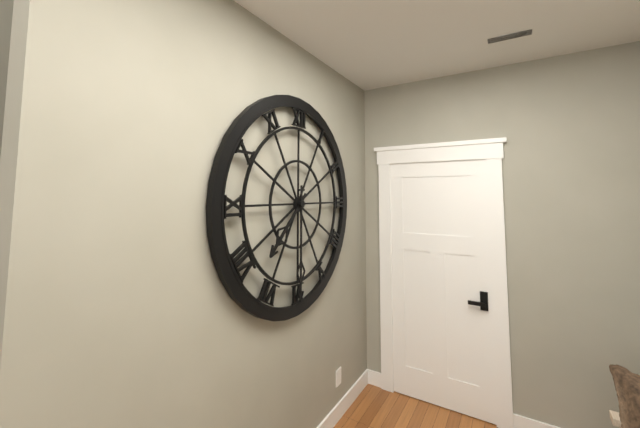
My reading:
**7:30**
